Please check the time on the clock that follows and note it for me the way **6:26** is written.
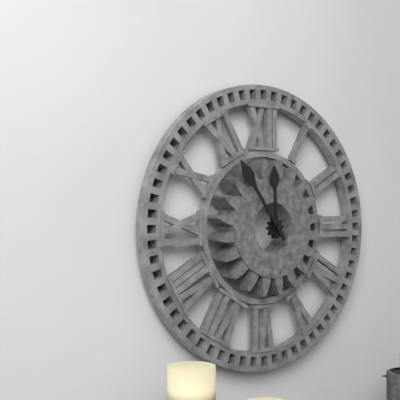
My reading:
**11:54**
